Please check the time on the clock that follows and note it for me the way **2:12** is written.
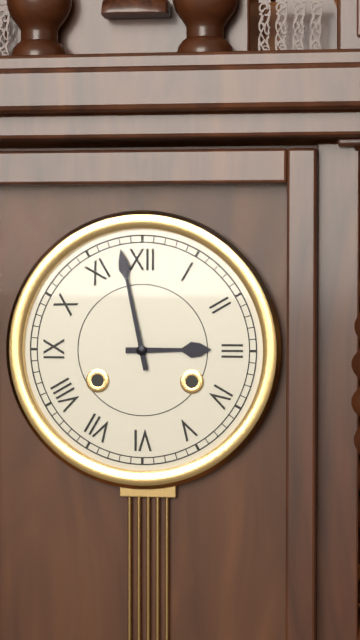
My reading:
**2:58**
